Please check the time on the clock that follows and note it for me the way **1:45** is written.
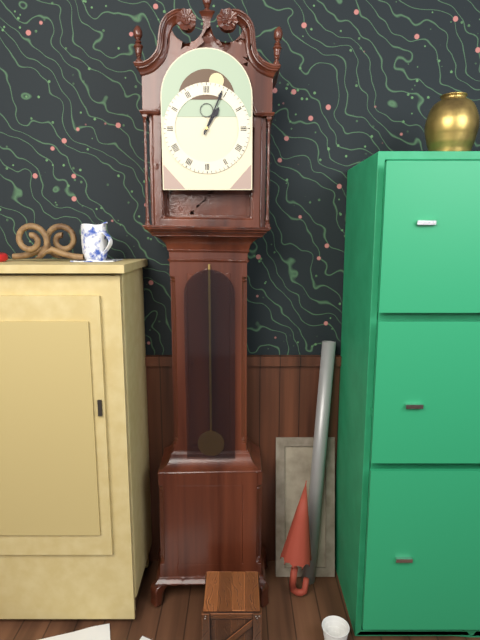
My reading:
**1:04**
